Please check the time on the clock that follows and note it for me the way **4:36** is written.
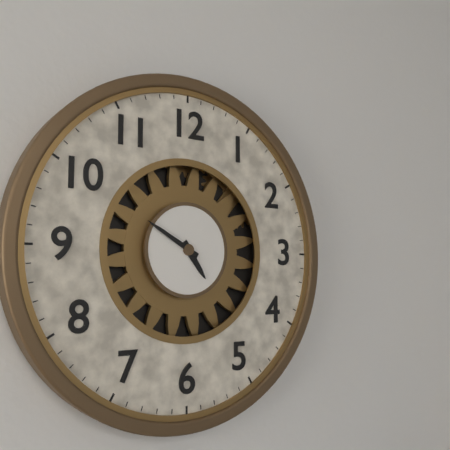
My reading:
**4:50**
